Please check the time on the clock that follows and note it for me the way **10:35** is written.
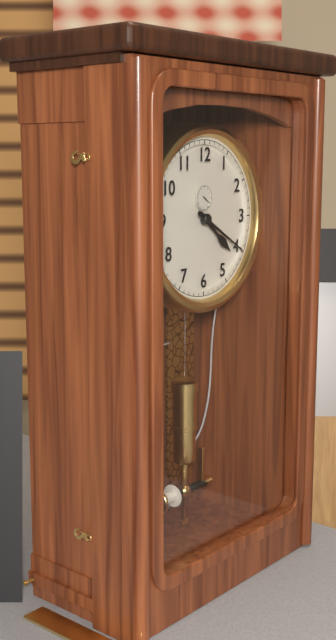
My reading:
**4:20**
